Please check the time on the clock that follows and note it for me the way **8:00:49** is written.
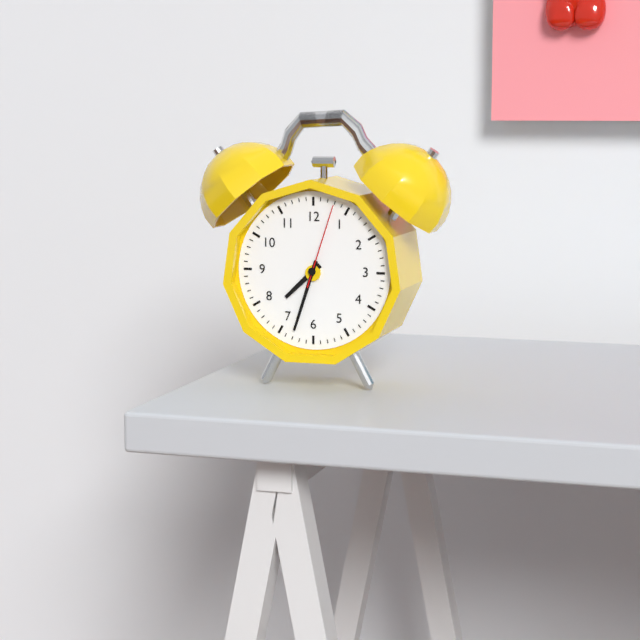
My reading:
**7:33:03**
